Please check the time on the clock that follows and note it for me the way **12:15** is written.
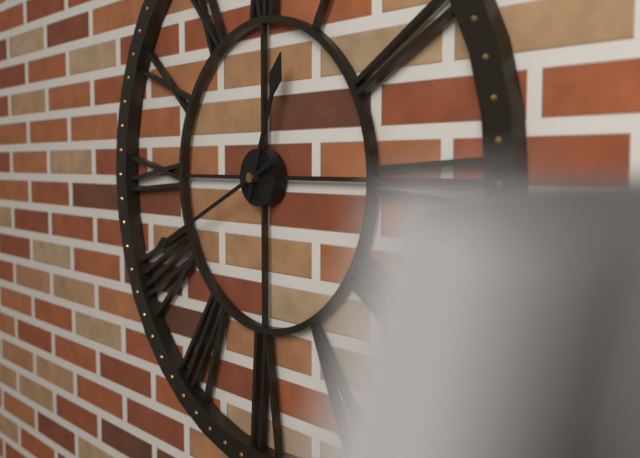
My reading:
**12:41**
